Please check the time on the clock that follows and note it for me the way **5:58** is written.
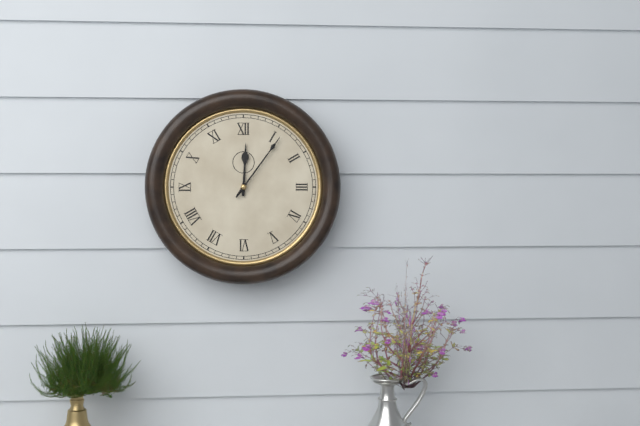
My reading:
**12:06**
